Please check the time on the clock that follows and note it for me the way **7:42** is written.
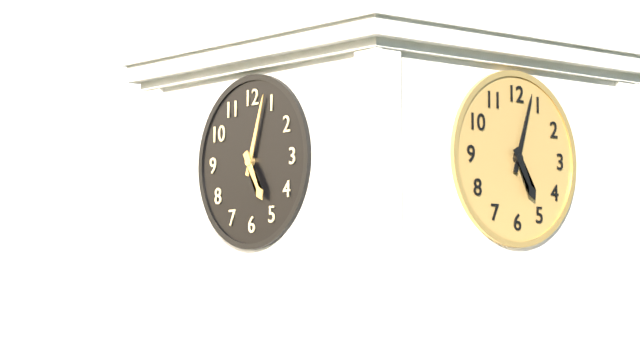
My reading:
**5:03**
